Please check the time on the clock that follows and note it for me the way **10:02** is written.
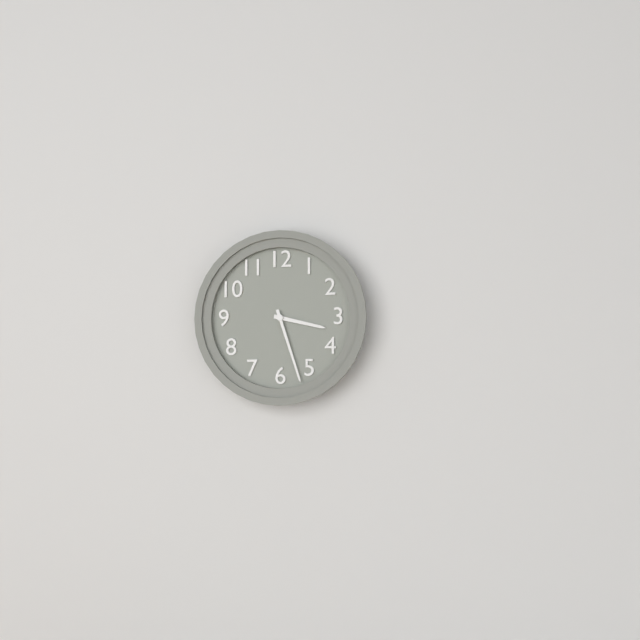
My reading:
**3:27**
